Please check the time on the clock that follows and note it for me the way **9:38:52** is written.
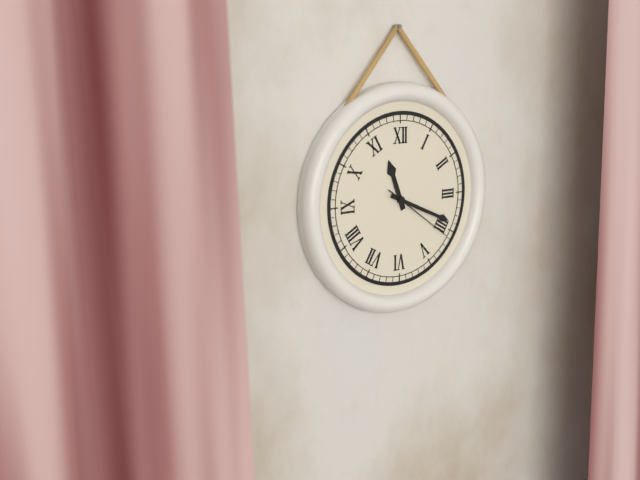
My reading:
**11:19:21**
